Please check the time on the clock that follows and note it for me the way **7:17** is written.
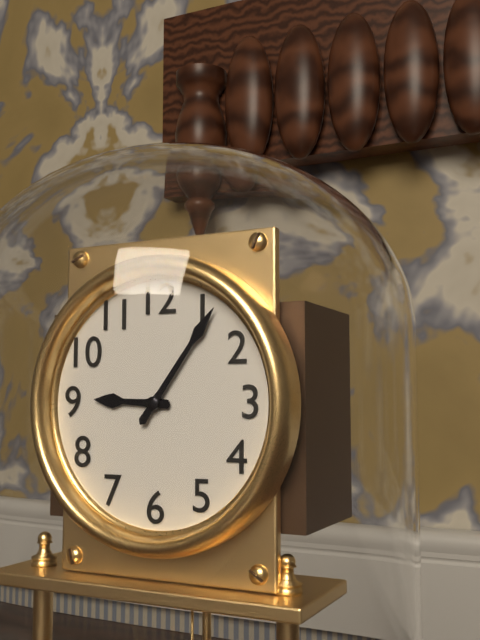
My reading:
**9:06**
